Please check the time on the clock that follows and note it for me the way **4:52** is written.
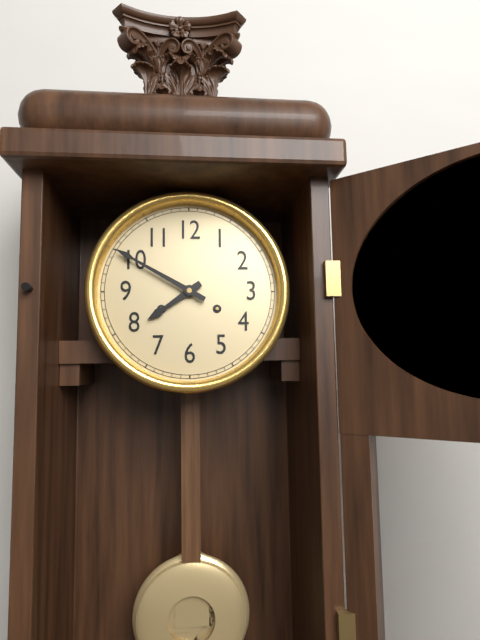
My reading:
**7:50**
